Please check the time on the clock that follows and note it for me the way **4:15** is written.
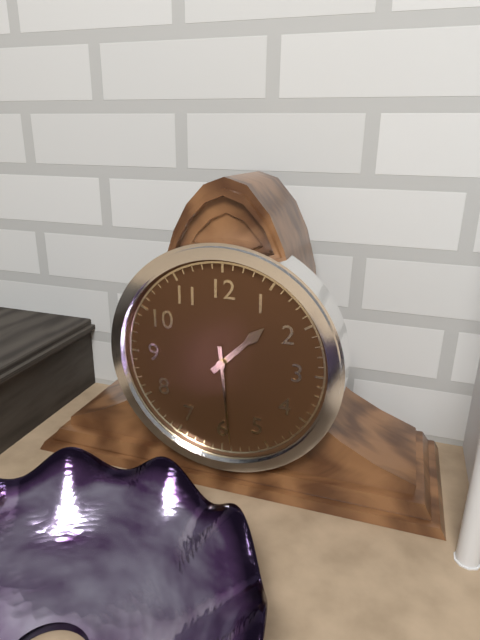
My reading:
**1:29**
